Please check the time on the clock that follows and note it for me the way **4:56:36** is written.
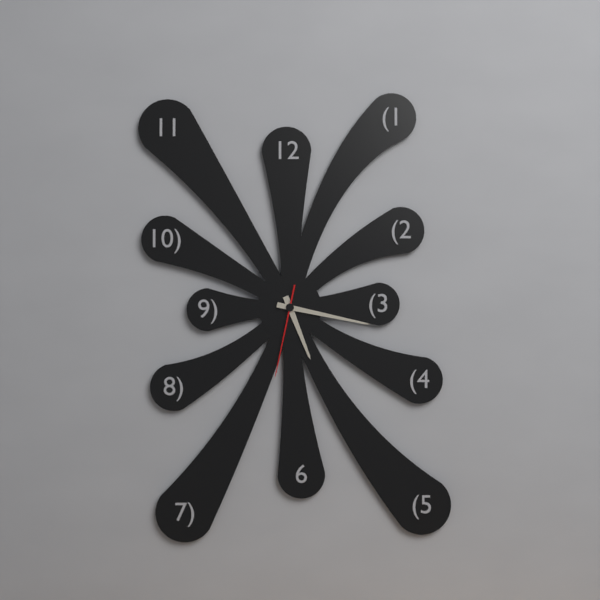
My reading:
**5:17:32**
